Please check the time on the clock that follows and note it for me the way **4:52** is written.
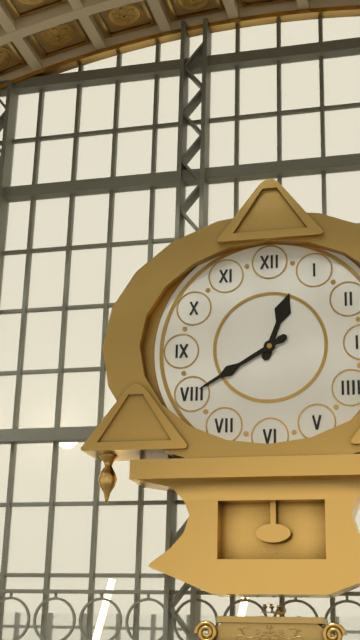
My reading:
**12:40**
